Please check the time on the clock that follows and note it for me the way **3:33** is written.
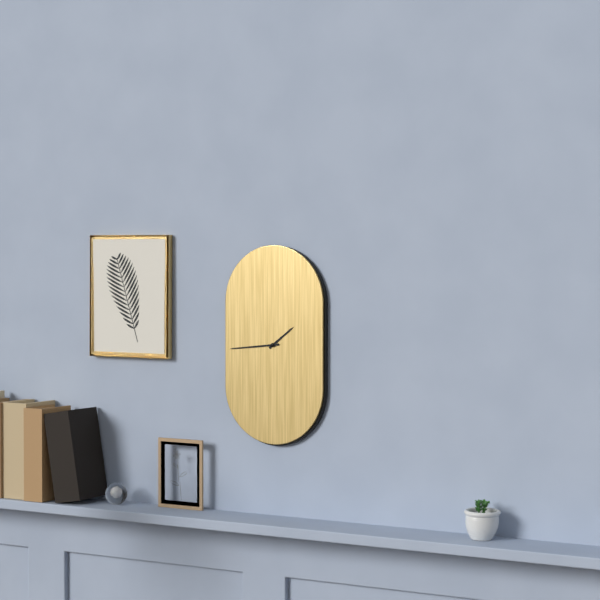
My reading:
**1:44**
